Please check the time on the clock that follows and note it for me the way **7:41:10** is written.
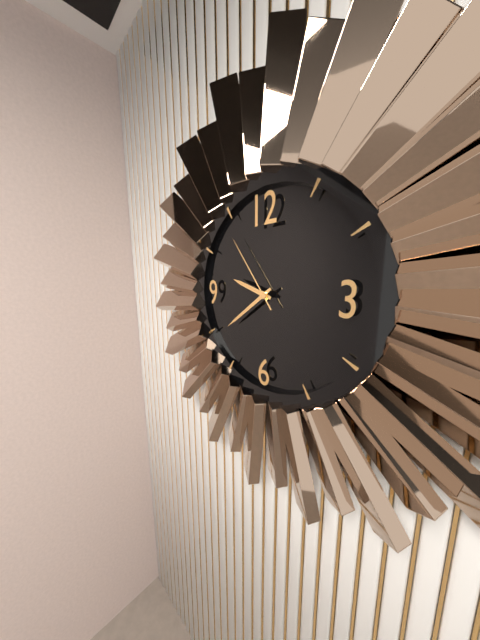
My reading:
**9:39:54**
